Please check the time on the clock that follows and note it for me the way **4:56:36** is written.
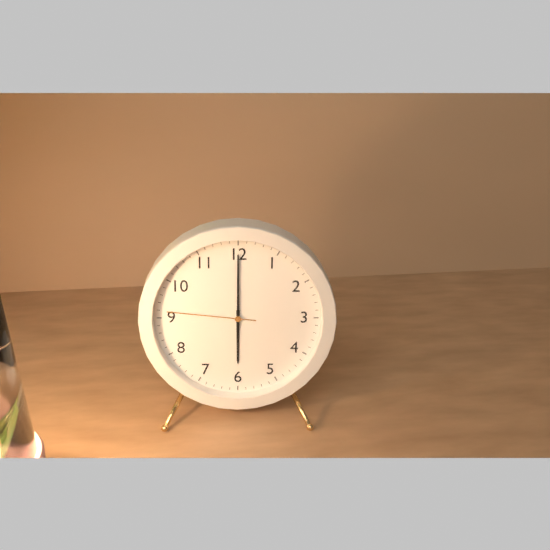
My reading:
**6:00:46**
